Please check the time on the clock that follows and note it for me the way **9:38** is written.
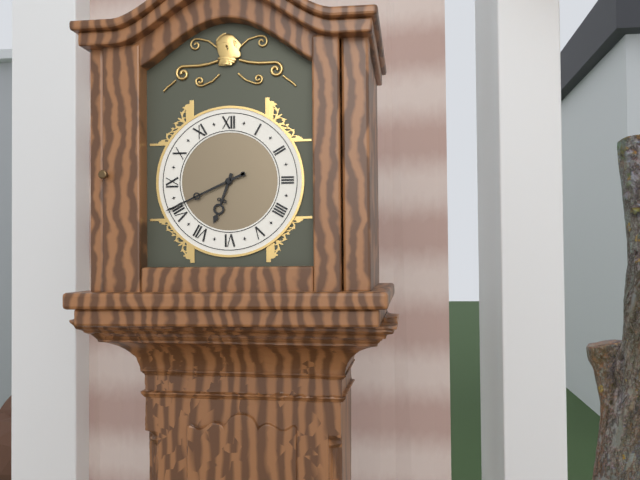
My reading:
**6:41**
